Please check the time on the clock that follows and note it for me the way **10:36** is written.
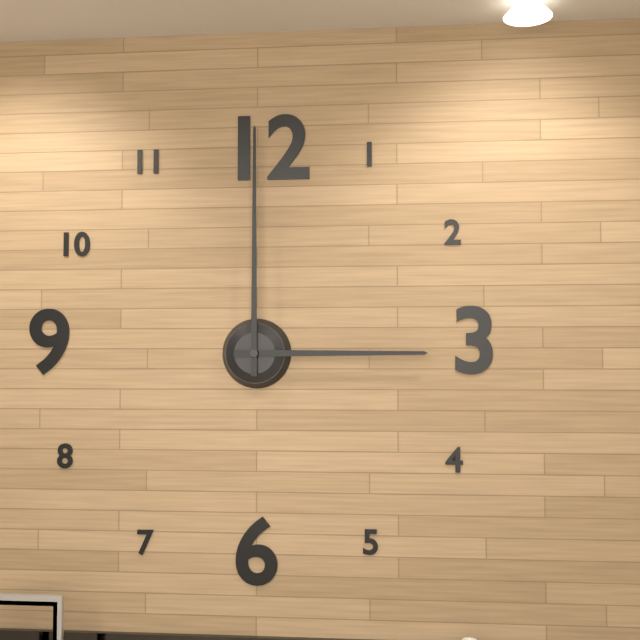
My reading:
**3:00**
